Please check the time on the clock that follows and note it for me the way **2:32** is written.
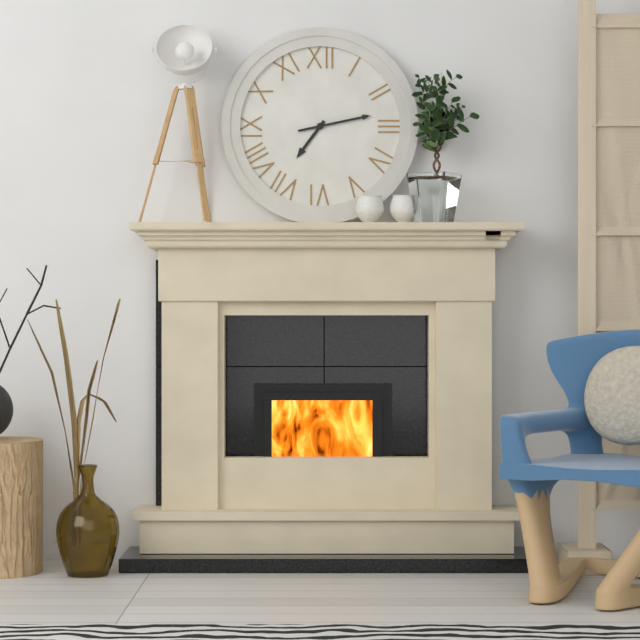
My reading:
**7:13**
